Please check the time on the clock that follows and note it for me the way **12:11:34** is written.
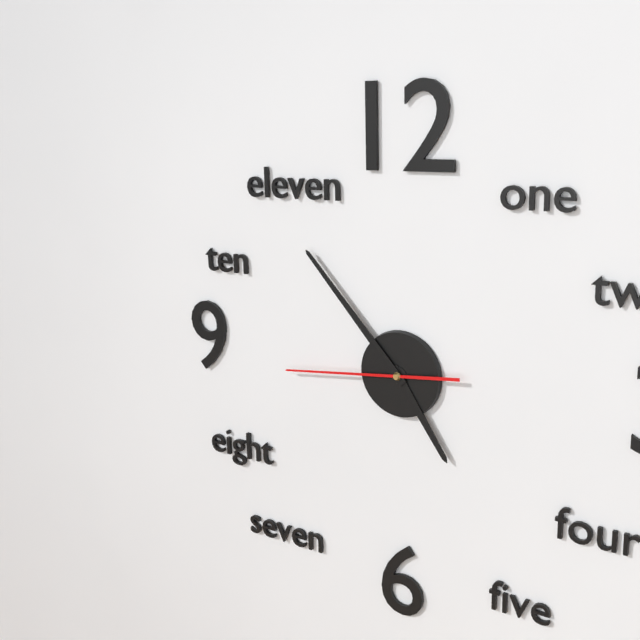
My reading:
**4:53:44**
